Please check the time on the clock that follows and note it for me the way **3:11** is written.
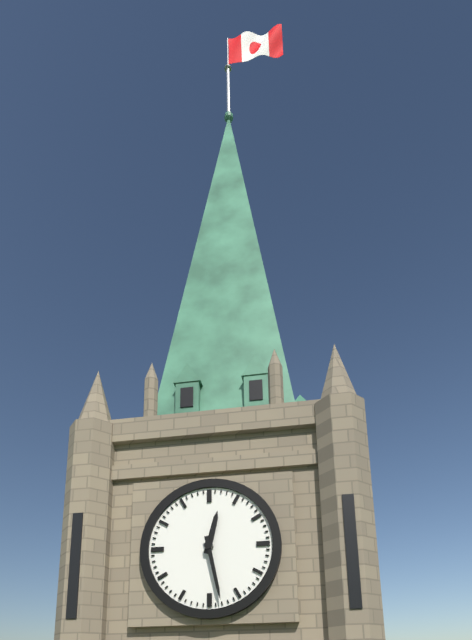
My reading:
**12:28**
